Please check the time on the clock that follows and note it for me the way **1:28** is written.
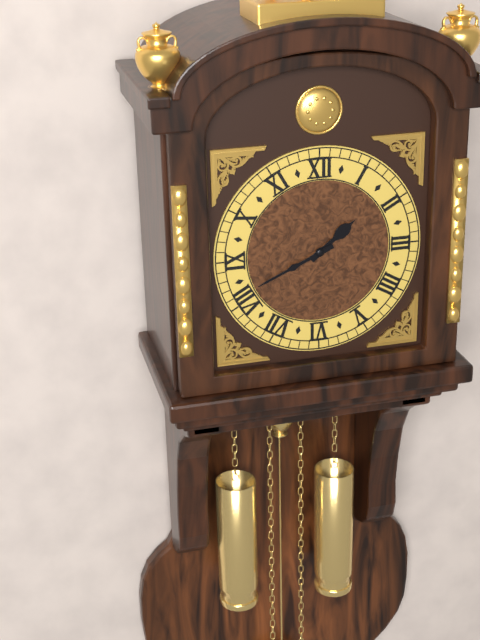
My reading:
**1:41**
